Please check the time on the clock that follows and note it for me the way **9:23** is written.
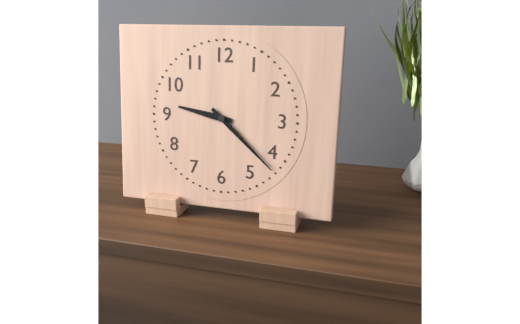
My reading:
**9:22**
